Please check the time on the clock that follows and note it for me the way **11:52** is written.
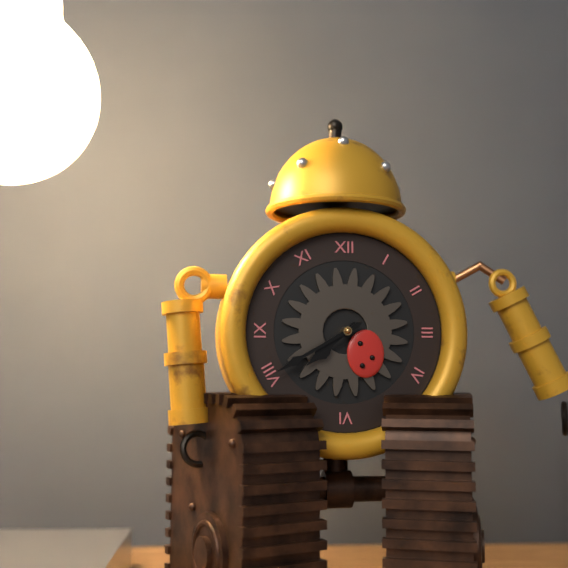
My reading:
**7:40**
